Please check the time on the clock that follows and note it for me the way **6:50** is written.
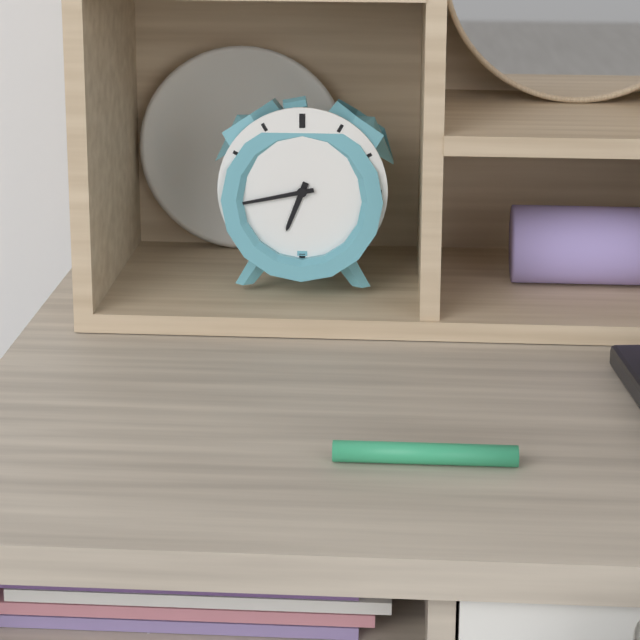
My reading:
**6:43**
